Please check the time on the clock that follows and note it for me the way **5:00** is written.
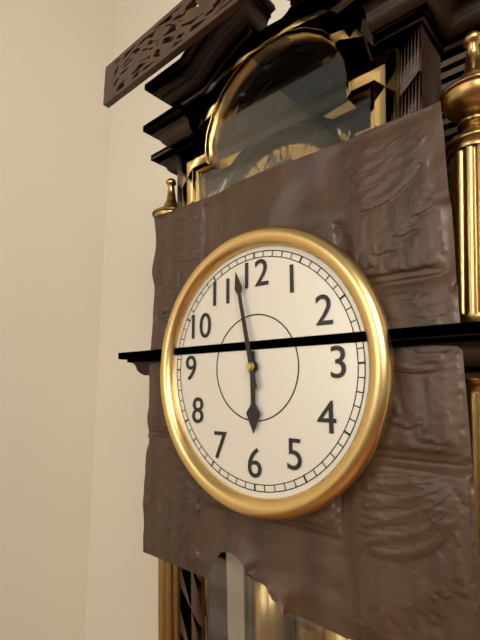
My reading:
**5:58**
